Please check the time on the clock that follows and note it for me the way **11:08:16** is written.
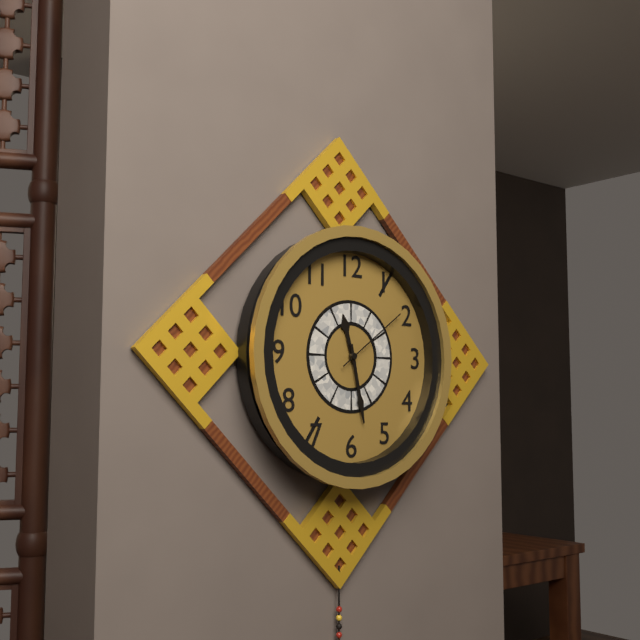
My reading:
**11:28:09**
